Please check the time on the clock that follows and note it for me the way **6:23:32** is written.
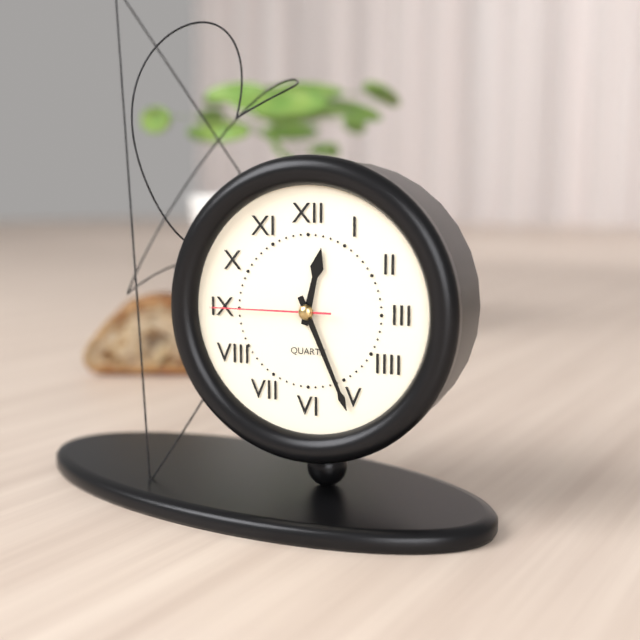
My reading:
**12:26:45**
